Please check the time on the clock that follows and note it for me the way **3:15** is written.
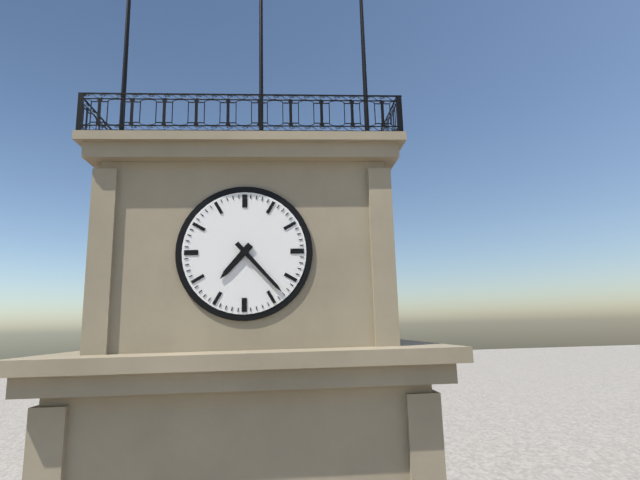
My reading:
**7:23**
